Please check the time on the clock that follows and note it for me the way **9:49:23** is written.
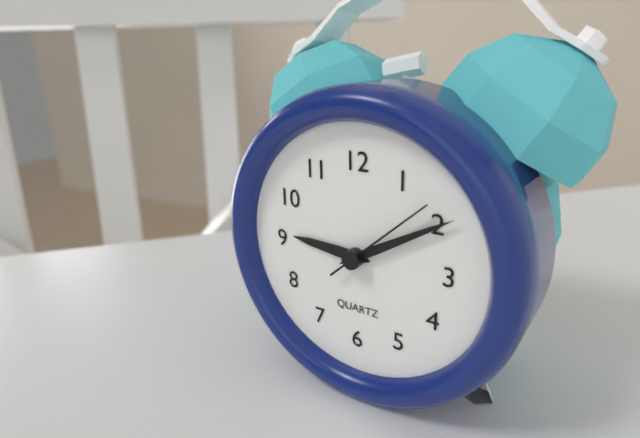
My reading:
**9:10:08**
